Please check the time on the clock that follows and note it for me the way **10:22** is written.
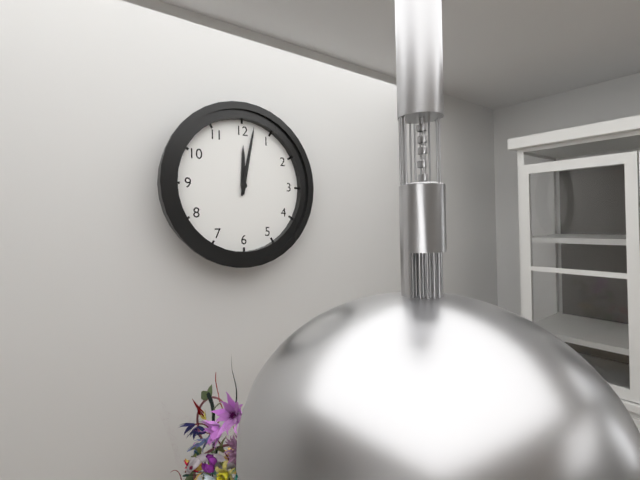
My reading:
**12:02**
